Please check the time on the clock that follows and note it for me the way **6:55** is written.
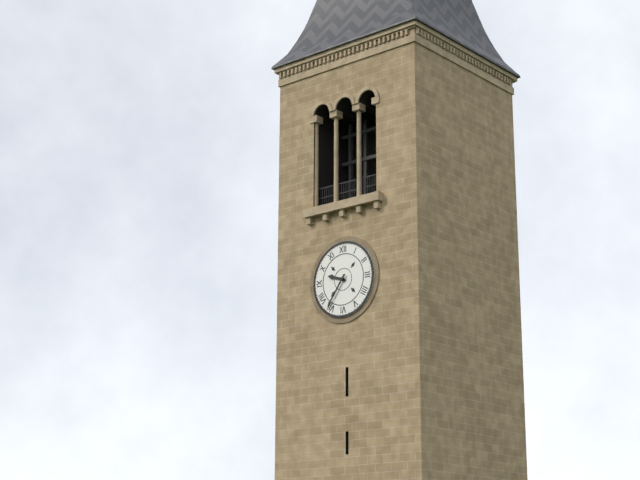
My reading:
**9:36**
